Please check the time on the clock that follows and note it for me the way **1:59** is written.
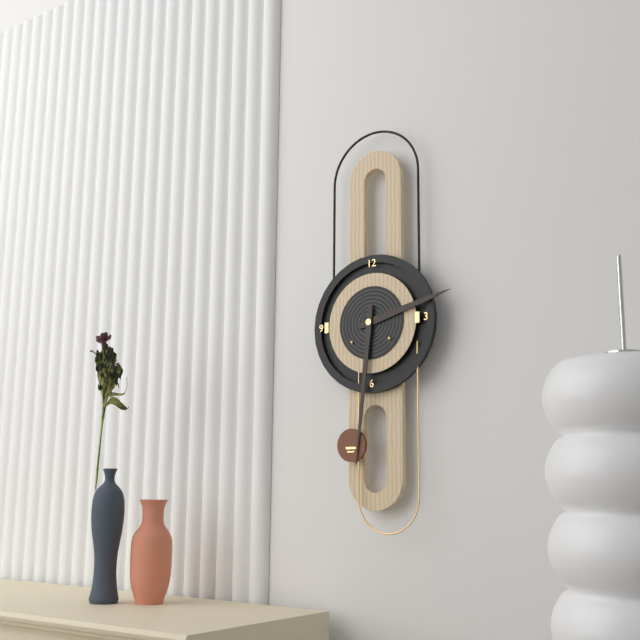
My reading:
**2:31**
